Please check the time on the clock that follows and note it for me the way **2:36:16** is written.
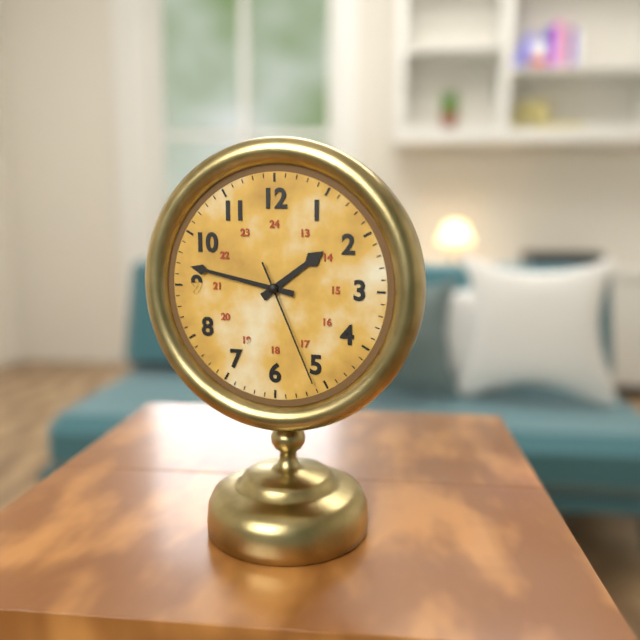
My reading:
**1:47:26**
